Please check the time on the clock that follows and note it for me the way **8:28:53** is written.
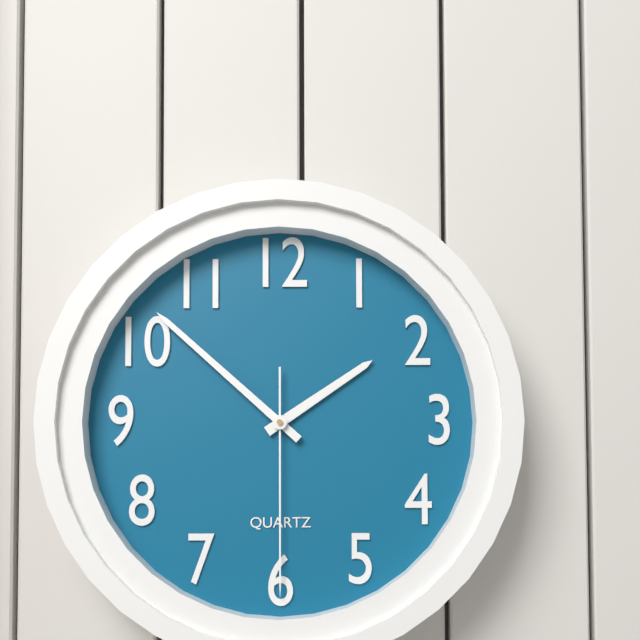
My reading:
**1:52:30**
